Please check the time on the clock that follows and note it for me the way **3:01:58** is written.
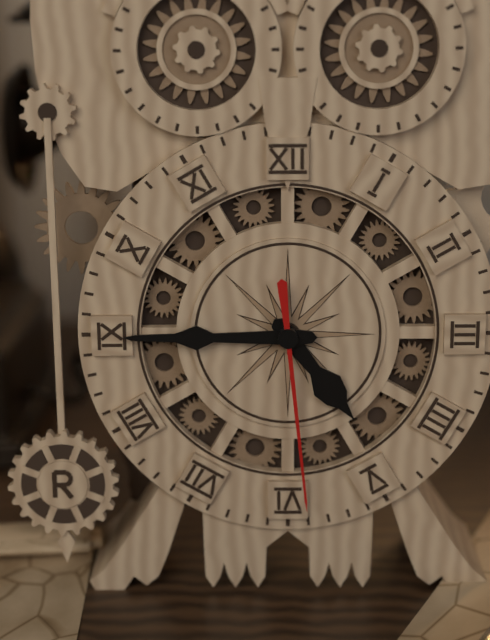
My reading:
**4:45:29**
